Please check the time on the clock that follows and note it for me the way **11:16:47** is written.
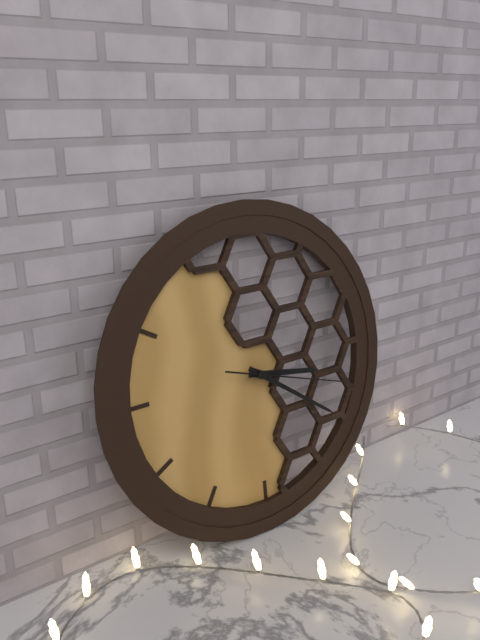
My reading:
**3:21:18**
